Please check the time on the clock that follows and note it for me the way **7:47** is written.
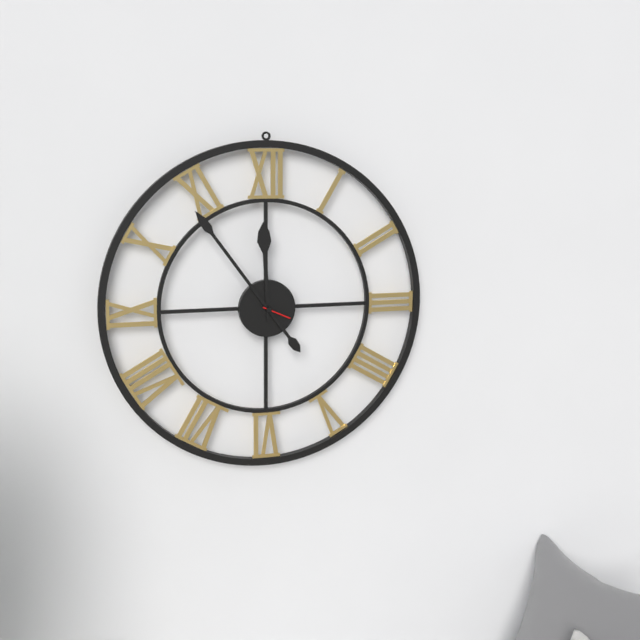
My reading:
**11:54**
